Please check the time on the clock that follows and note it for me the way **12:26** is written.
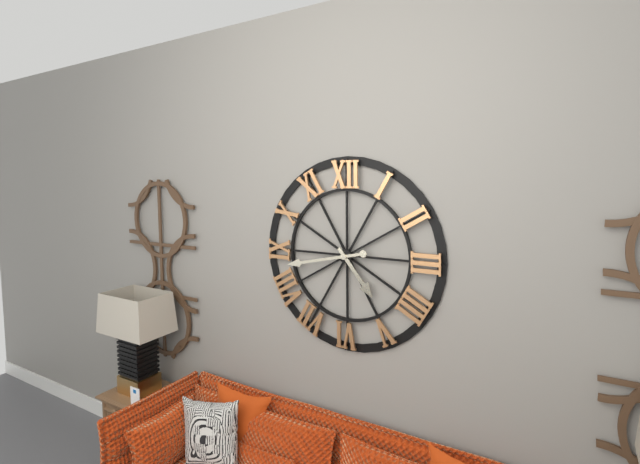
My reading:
**4:43**
